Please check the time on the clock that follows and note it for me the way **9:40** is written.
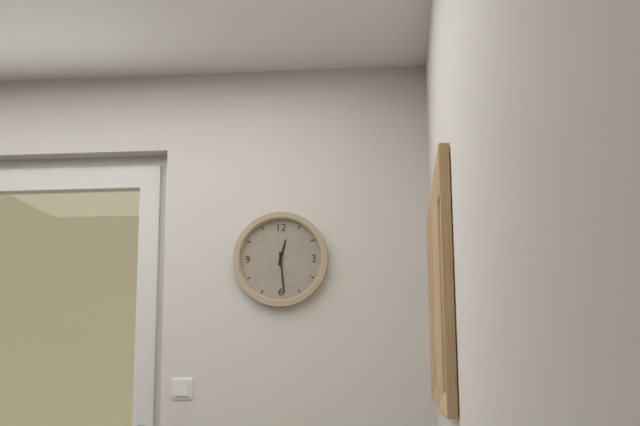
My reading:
**12:29**
